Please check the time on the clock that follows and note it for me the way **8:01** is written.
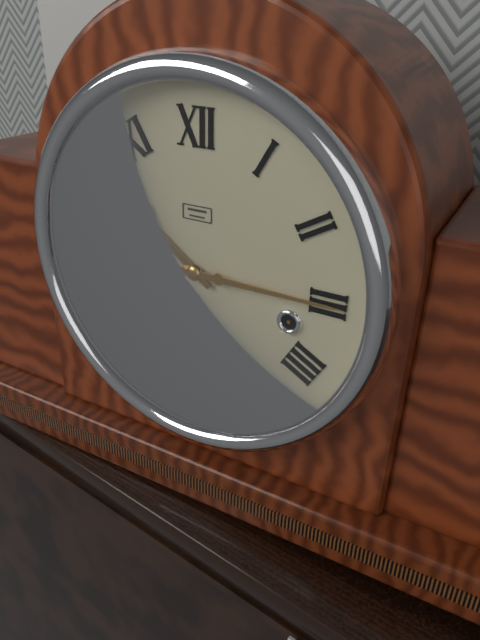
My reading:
**10:15**
